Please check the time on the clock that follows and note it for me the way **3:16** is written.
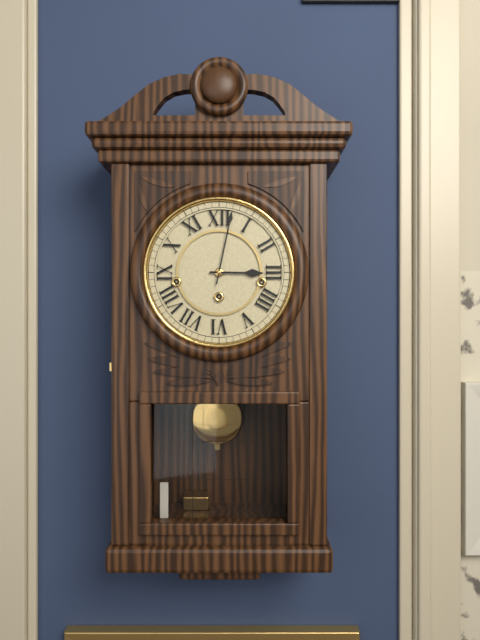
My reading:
**3:02**
